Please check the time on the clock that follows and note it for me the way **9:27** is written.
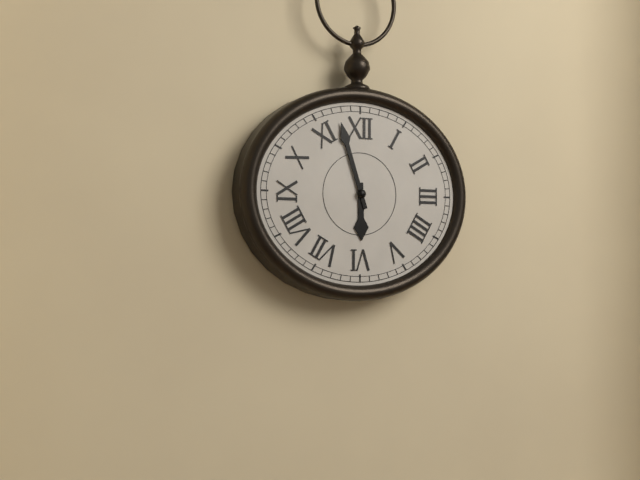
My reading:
**5:57**
